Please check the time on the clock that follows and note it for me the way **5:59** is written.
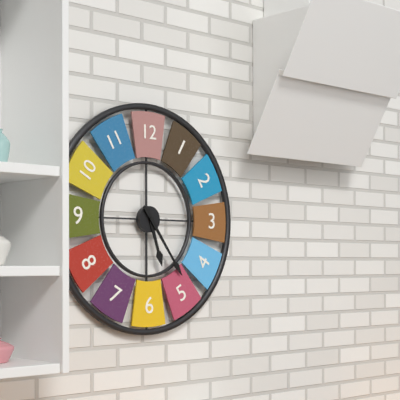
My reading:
**5:24**
